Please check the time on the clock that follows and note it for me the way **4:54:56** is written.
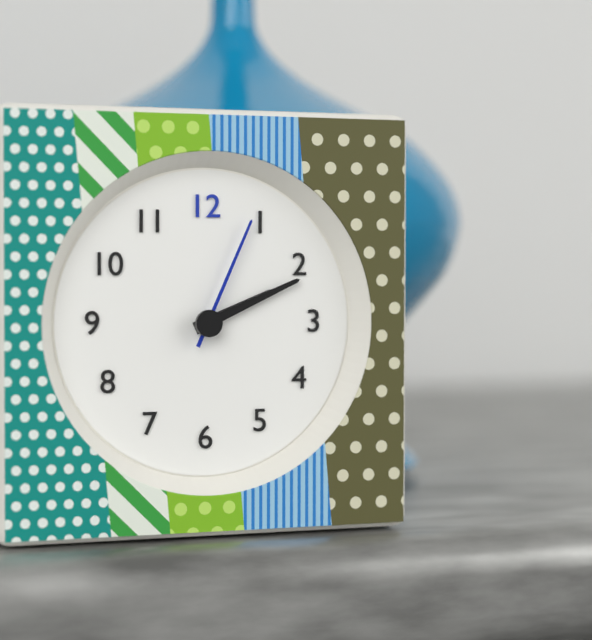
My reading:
**2:11:04**
